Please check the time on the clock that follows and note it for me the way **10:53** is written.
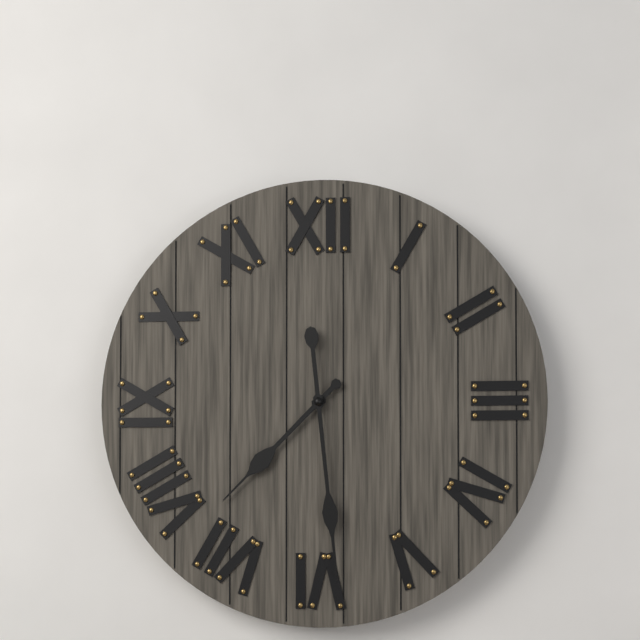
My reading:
**7:29**
